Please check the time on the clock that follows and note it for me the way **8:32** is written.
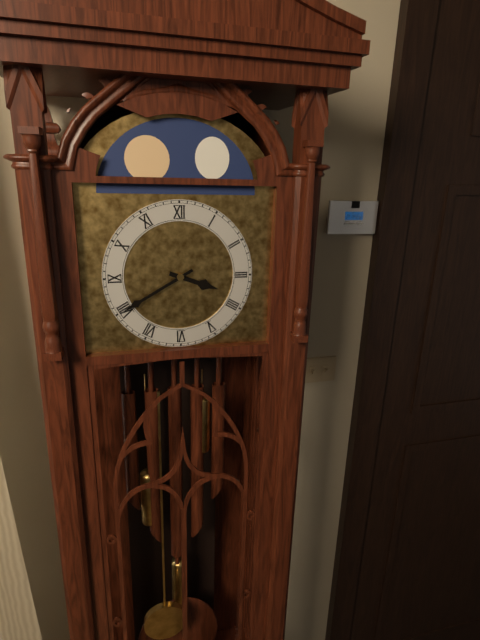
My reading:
**3:40**
